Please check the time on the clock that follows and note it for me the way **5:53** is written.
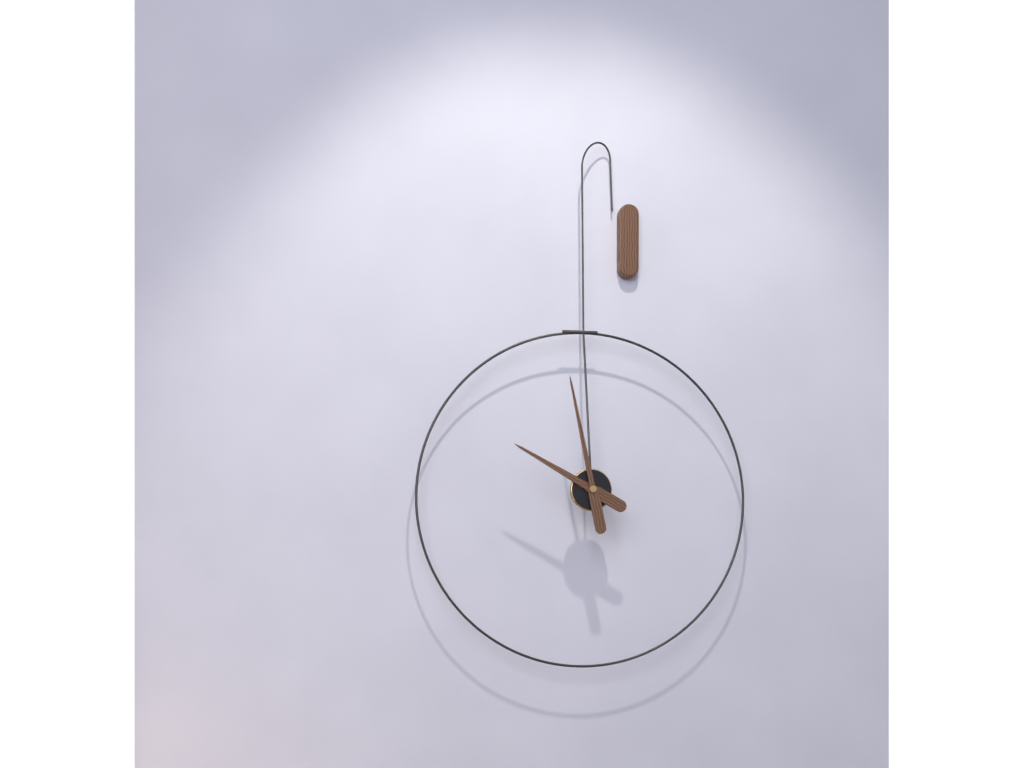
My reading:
**9:58**
